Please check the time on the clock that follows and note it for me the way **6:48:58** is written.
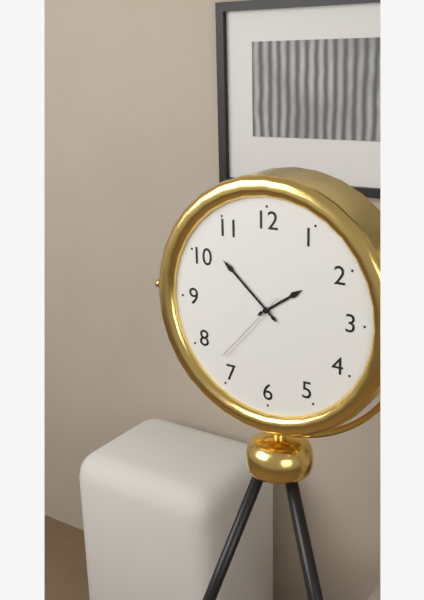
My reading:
**1:52:37**
